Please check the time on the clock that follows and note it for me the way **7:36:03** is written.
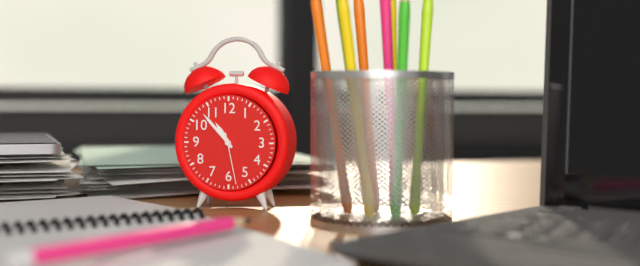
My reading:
**10:53:28**
